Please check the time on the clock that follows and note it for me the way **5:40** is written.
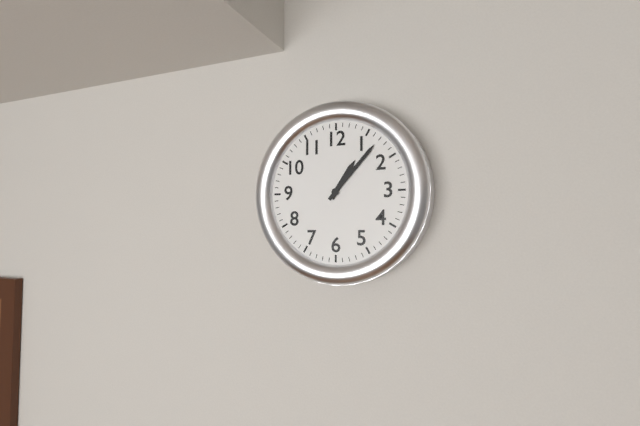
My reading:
**1:07**
